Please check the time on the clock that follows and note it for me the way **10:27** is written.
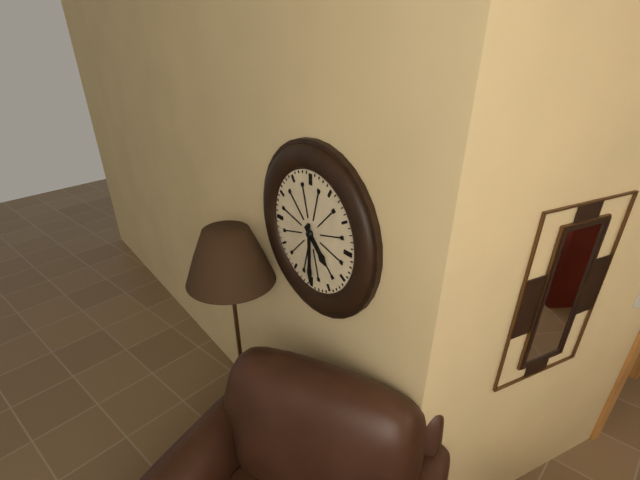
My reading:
**4:30**
